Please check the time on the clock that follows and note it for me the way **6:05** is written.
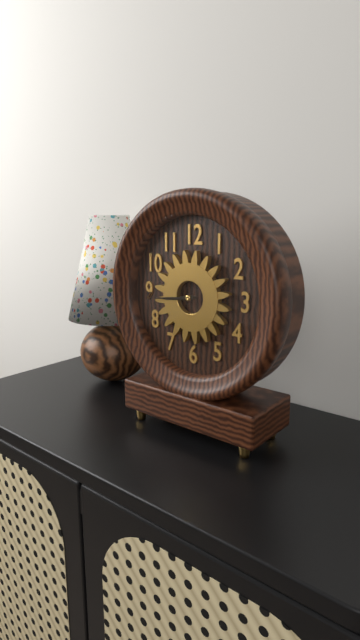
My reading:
**8:44**
